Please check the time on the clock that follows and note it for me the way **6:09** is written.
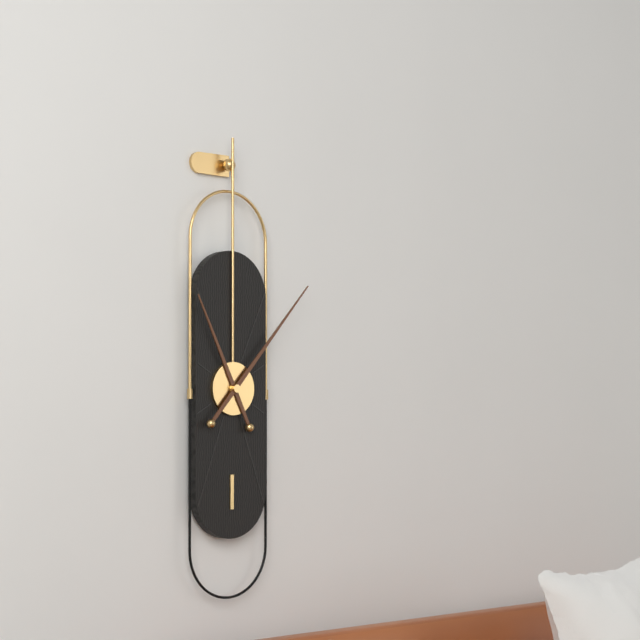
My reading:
**11:07**
